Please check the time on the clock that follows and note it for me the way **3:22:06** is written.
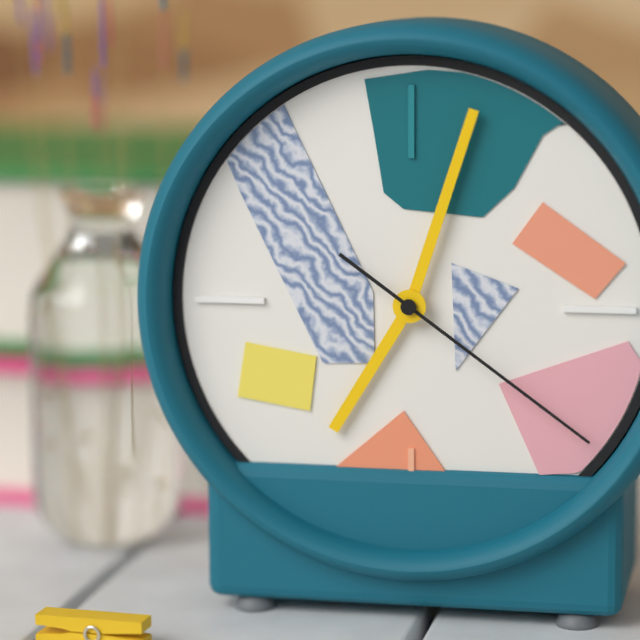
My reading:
**7:03:21**
